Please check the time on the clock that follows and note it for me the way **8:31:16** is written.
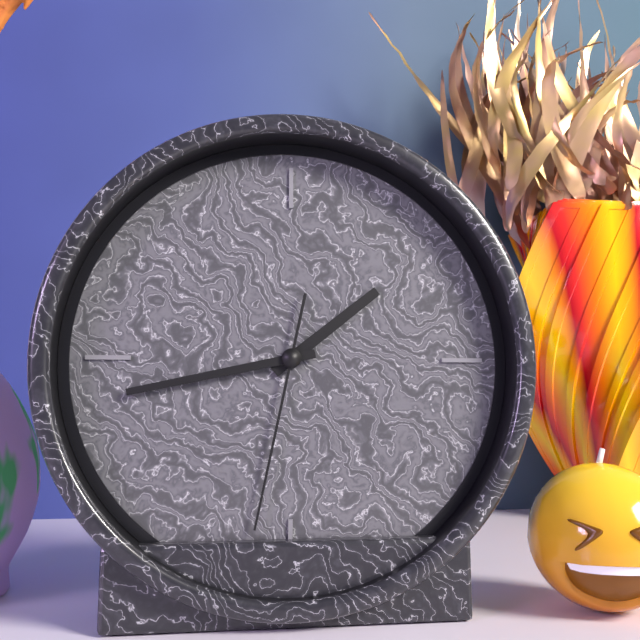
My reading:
**1:43:32**
